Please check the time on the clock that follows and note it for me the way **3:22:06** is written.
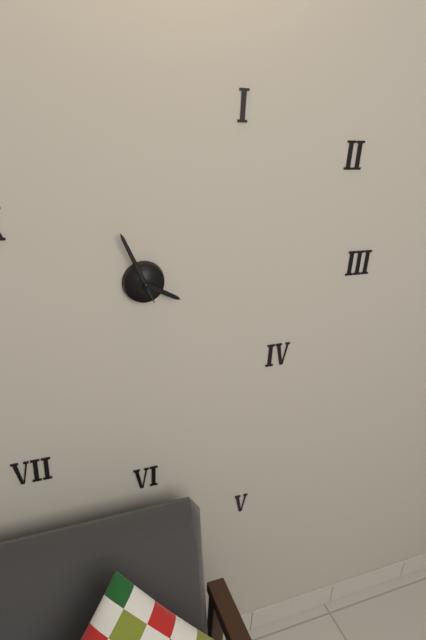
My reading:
**3:56:56**
